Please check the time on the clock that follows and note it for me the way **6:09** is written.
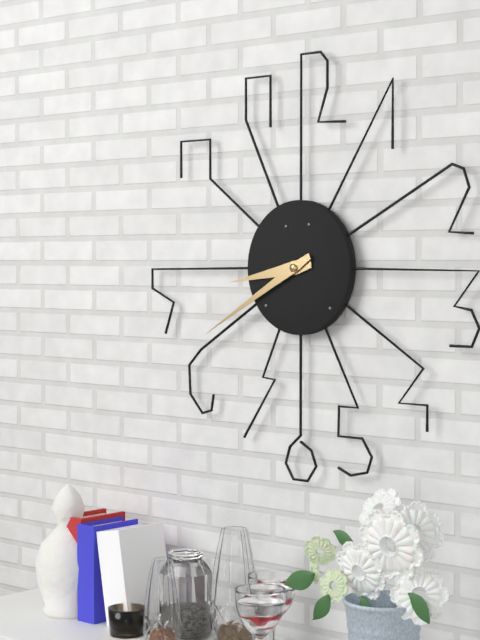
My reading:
**8:40**
